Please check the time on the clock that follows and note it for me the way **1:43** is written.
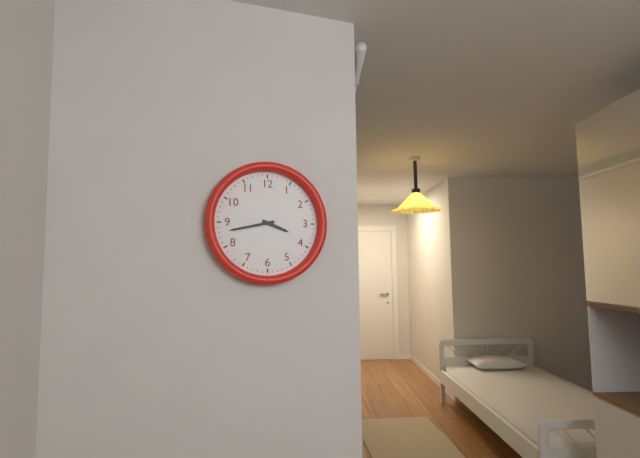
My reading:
**3:43**
